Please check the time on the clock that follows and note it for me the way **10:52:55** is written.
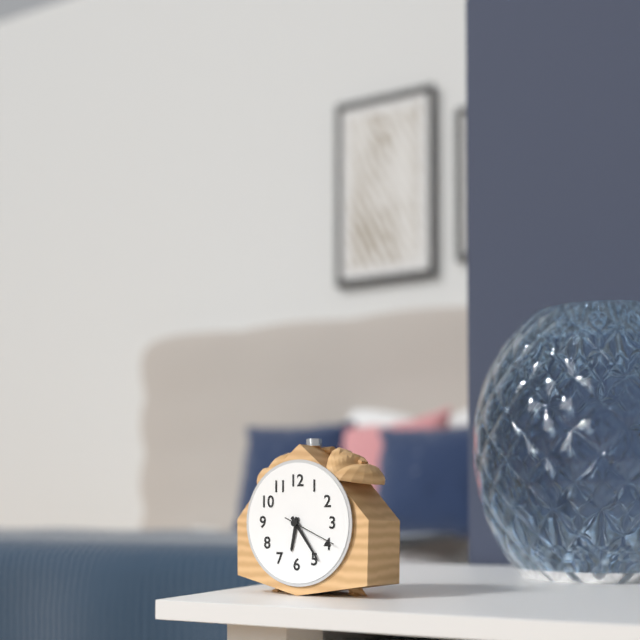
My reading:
**6:24:19**
